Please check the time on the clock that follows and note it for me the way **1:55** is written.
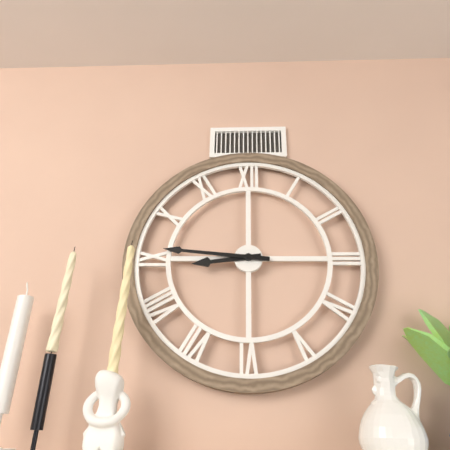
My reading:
**8:46**
